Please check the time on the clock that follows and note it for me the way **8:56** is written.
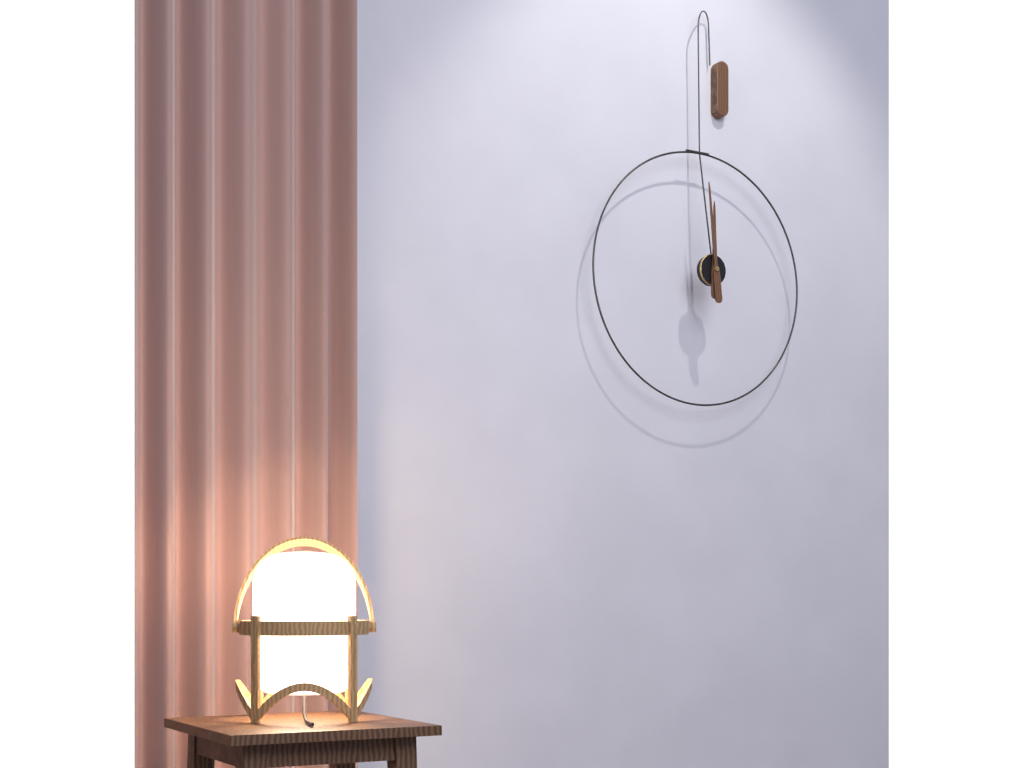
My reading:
**11:59**
